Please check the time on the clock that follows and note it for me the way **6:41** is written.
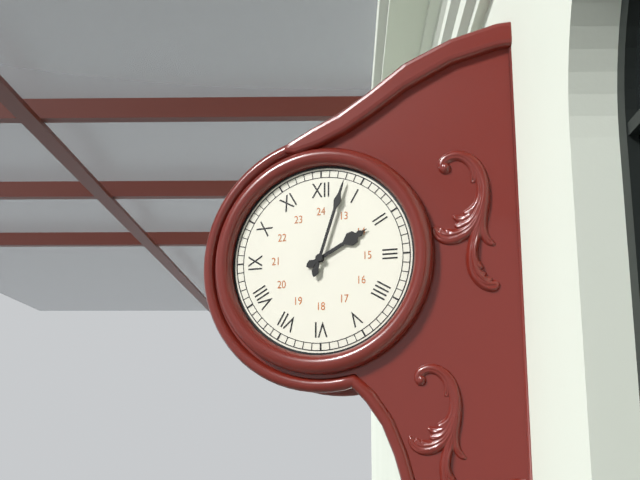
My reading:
**2:03**
